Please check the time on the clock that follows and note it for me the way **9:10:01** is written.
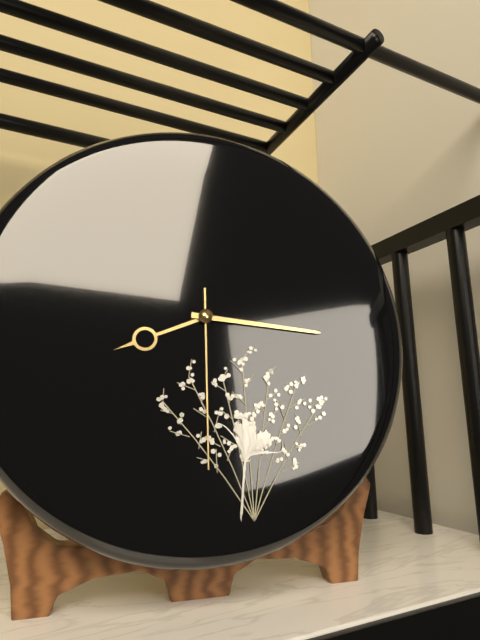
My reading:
**8:16:30**
